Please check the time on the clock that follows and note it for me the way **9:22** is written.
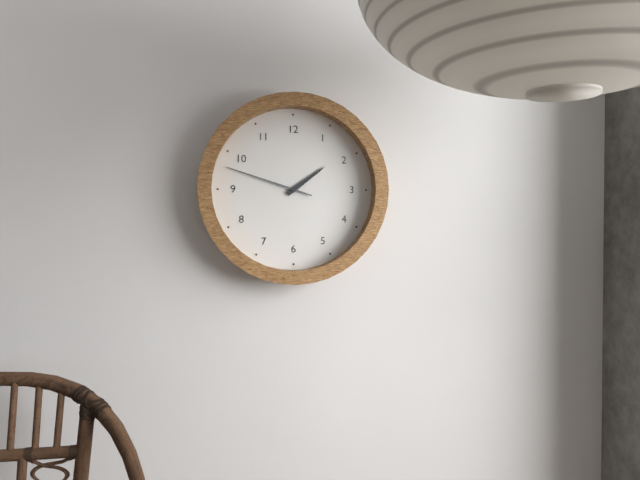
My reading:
**1:48**
